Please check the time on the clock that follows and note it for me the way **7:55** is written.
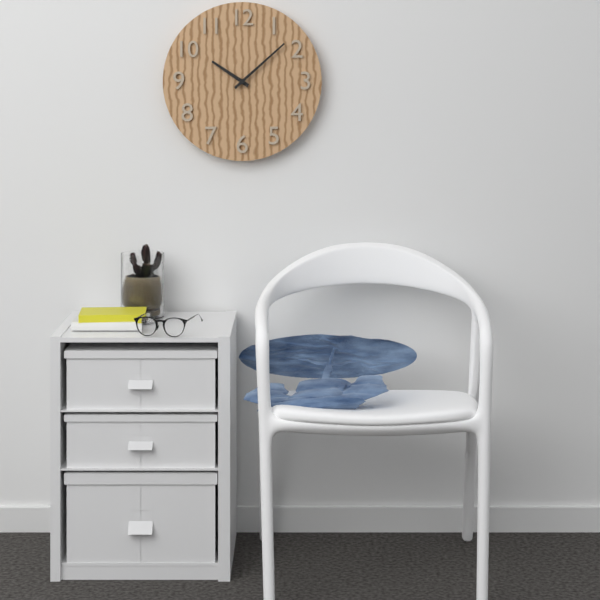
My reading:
**10:08**
